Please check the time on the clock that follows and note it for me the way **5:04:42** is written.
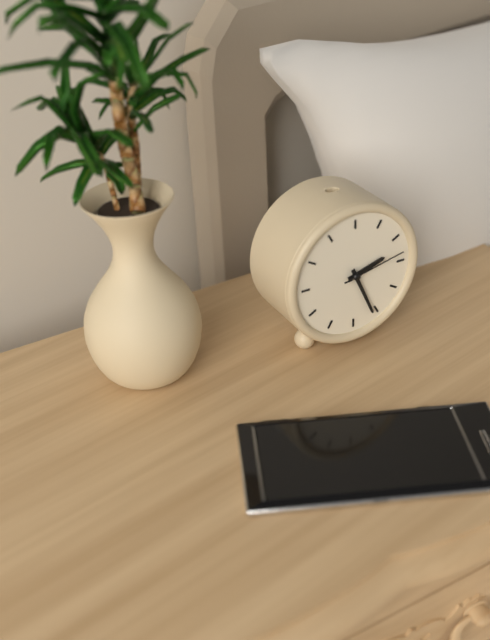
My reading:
**2:26:13**
